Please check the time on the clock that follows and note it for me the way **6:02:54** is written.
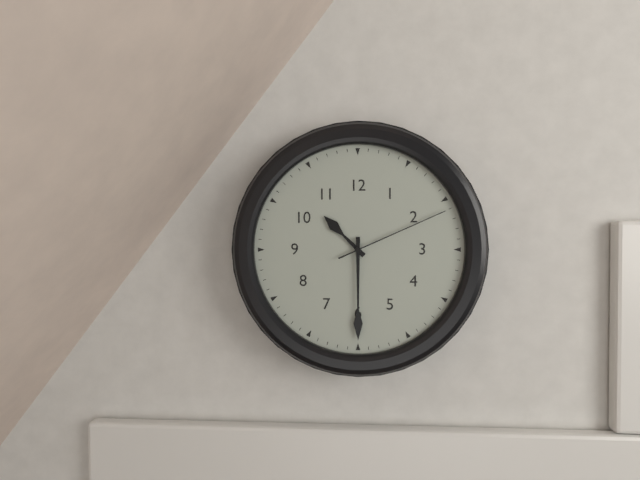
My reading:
**10:30:11**
